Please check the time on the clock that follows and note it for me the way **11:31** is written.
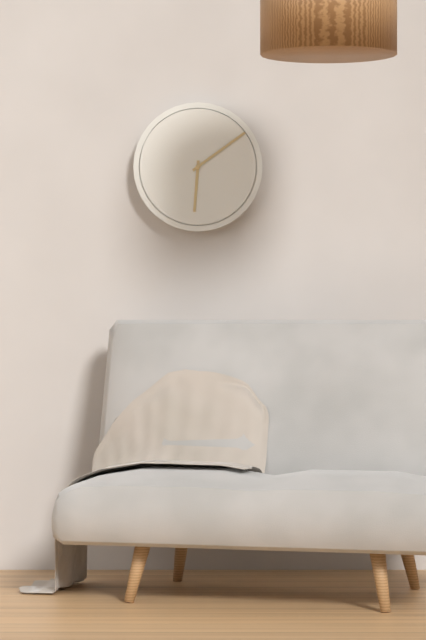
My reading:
**6:09**
